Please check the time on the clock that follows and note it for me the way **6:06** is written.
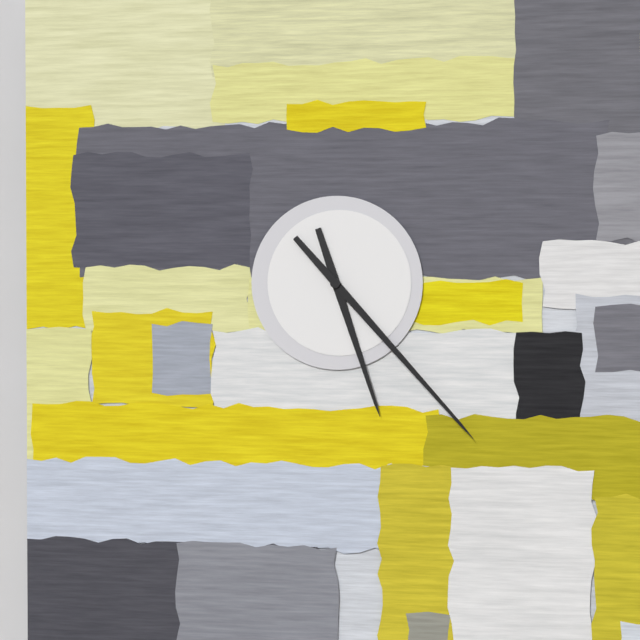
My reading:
**5:23**
